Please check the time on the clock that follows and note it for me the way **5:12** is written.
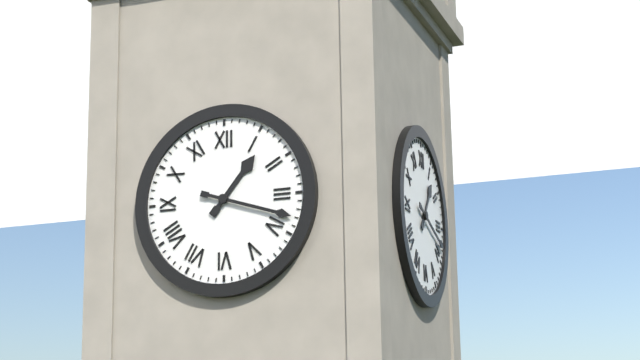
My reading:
**1:18**
